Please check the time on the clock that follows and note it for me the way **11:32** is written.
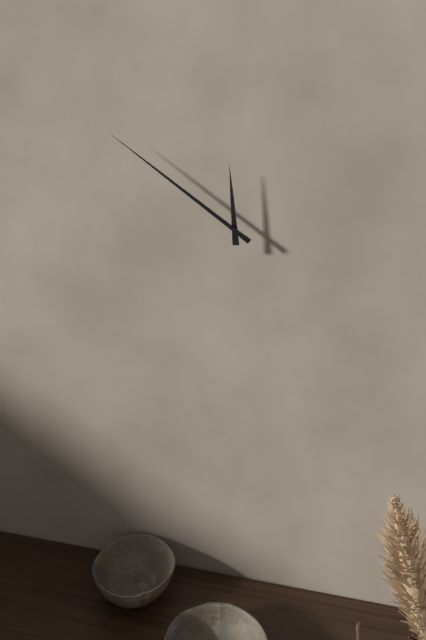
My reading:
**11:51**
